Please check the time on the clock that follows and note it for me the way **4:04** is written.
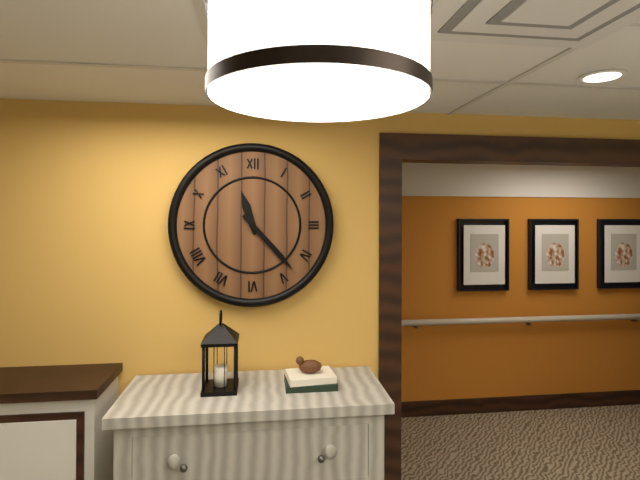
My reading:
**11:23**
